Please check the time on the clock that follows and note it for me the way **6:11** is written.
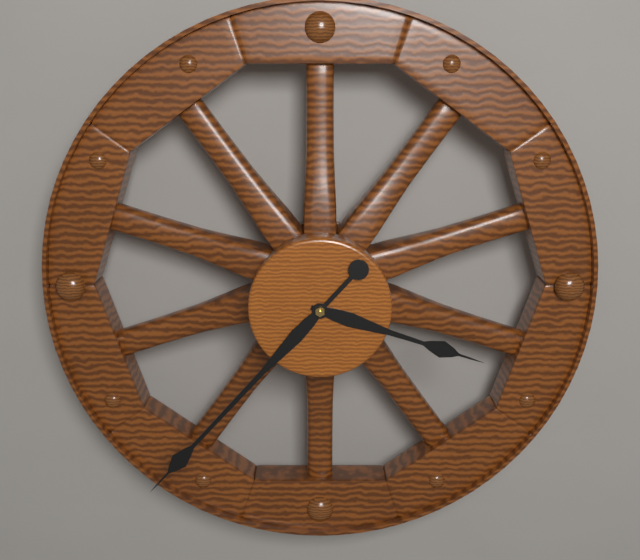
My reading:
**3:37**
